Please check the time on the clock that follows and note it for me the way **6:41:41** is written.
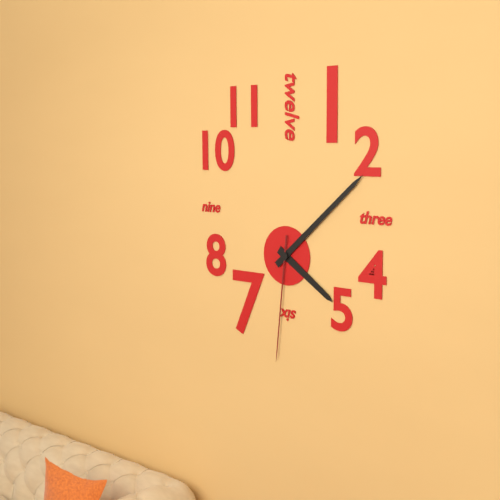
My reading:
**4:08:31**
